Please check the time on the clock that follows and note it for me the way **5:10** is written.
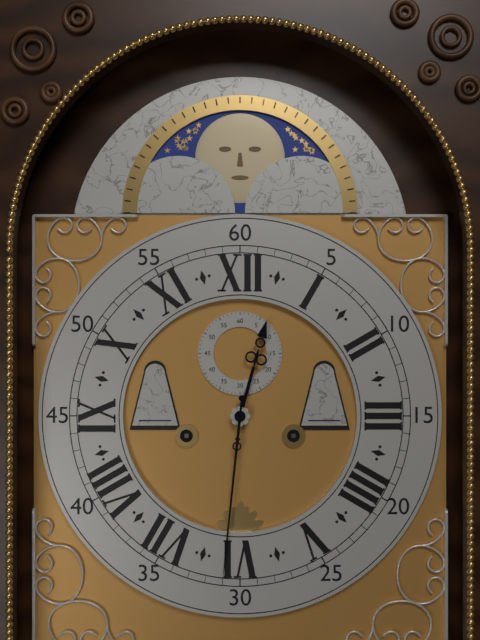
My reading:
**12:31**
